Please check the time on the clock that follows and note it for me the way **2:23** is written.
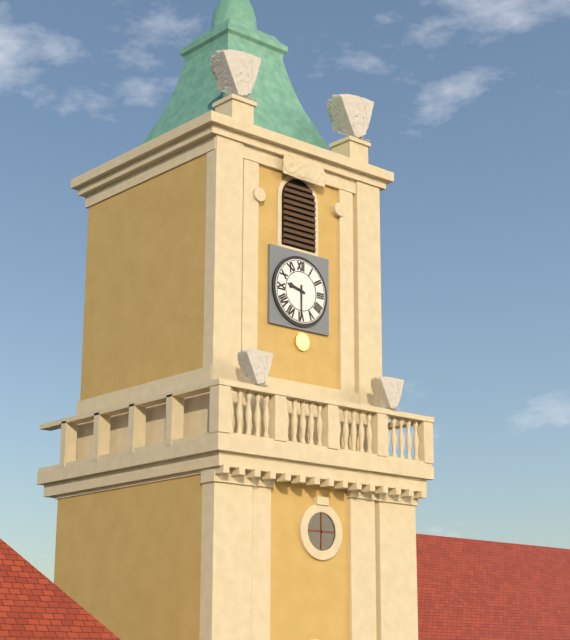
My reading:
**9:30**
